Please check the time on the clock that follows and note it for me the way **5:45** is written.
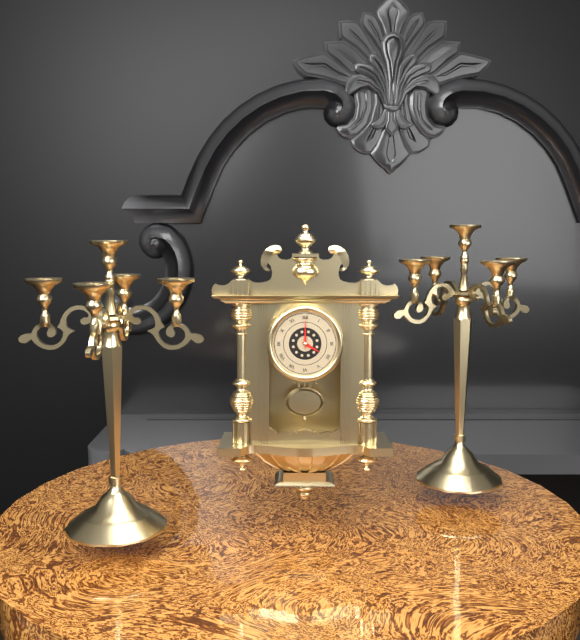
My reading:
**4:00**
